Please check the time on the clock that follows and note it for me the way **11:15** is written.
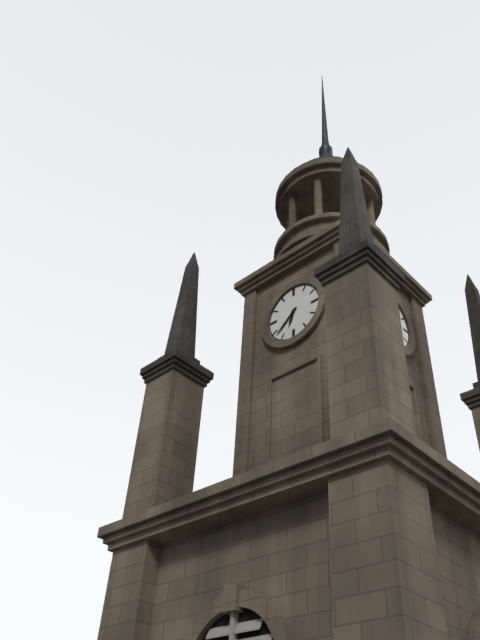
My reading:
**6:38**
